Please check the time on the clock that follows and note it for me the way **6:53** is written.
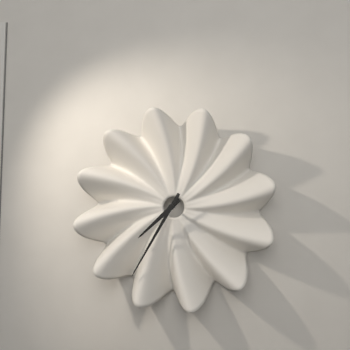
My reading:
**7:35**
